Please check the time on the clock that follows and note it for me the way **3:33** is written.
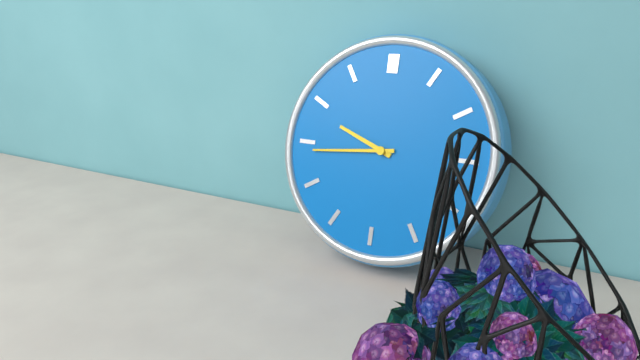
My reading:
**9:44**
